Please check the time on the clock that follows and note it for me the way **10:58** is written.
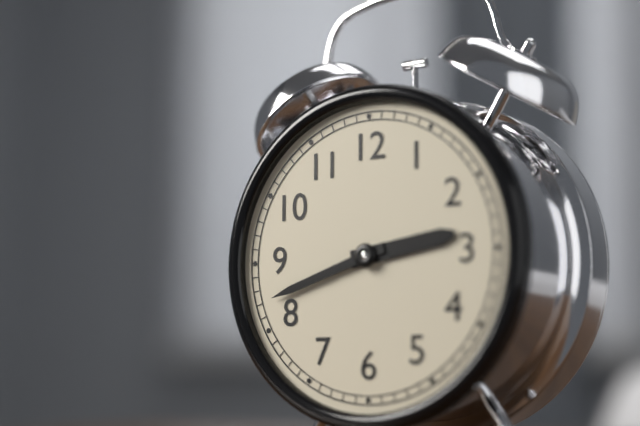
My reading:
**2:42**
